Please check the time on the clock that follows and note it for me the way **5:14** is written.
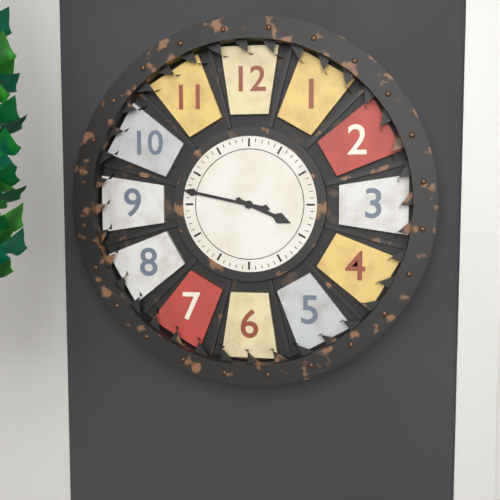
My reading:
**3:47**
